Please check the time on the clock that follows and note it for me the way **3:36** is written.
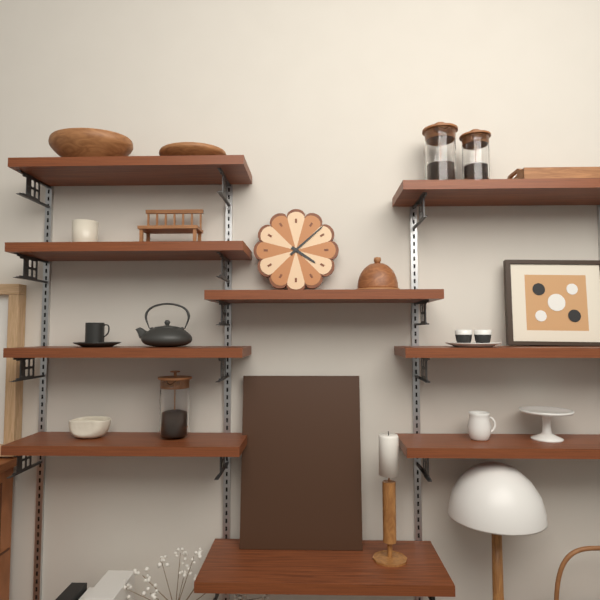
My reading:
**4:08**
